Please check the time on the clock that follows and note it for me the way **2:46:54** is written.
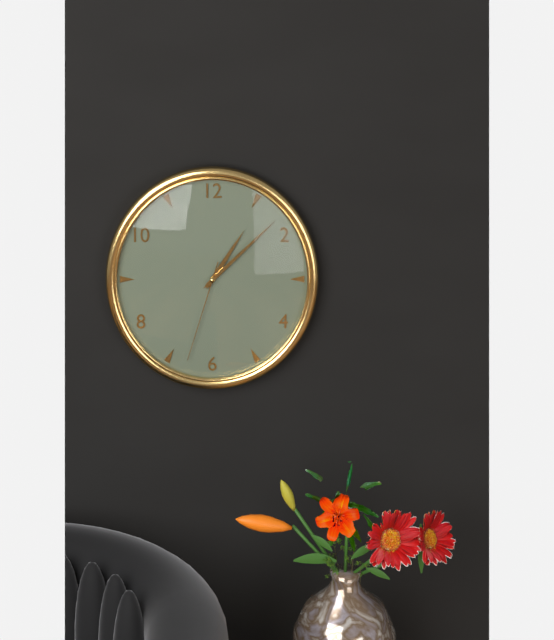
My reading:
**1:08:33**
